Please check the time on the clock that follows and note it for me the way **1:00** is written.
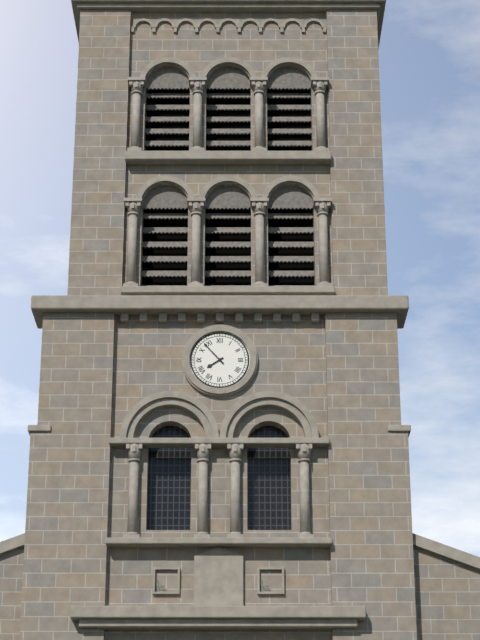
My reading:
**7:53**
